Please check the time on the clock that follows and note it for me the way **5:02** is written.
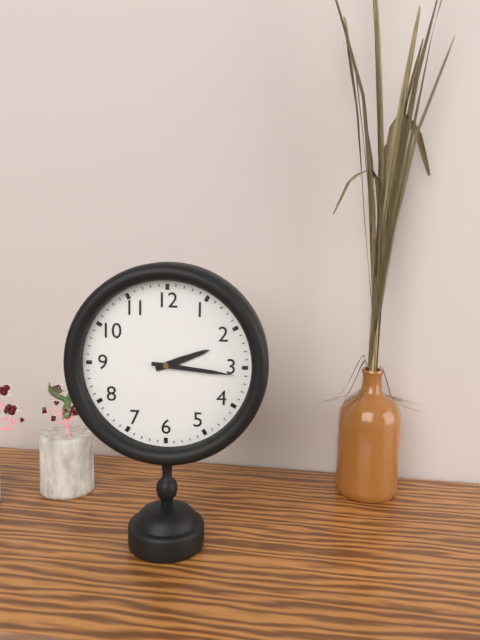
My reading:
**2:16**
